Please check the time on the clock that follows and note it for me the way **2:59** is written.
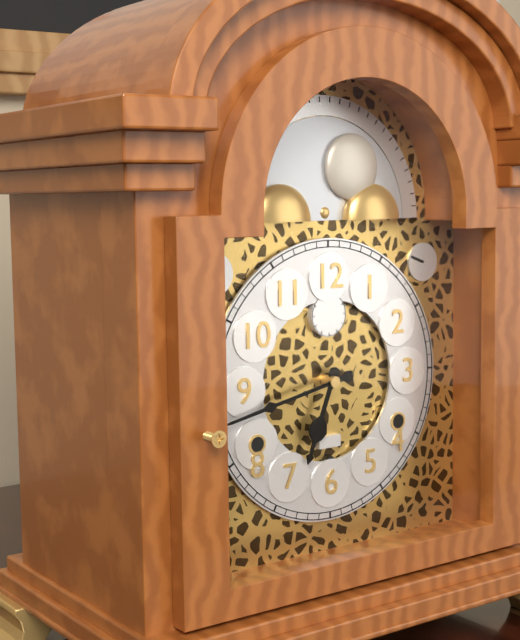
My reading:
**6:43**
